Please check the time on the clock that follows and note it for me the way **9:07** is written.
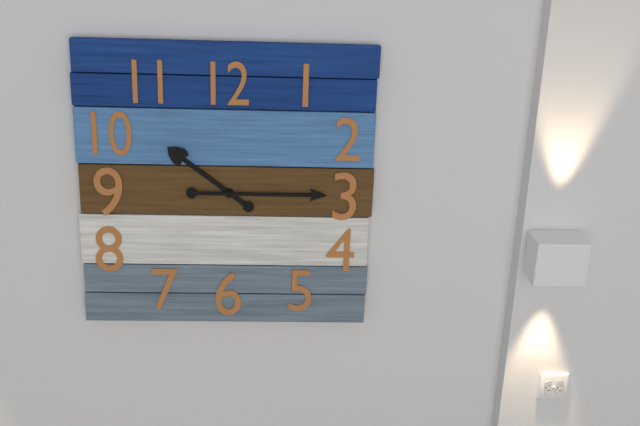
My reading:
**10:15**
